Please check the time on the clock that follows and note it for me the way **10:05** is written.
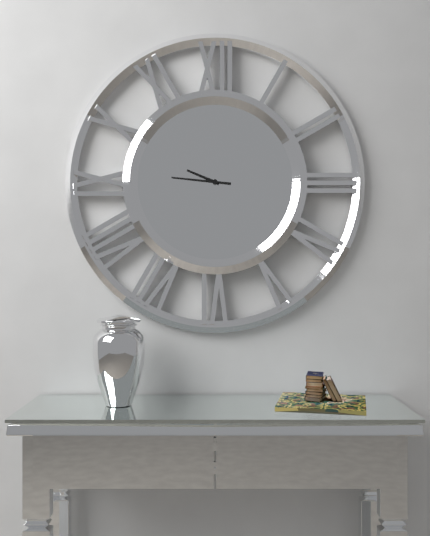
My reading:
**9:46**
